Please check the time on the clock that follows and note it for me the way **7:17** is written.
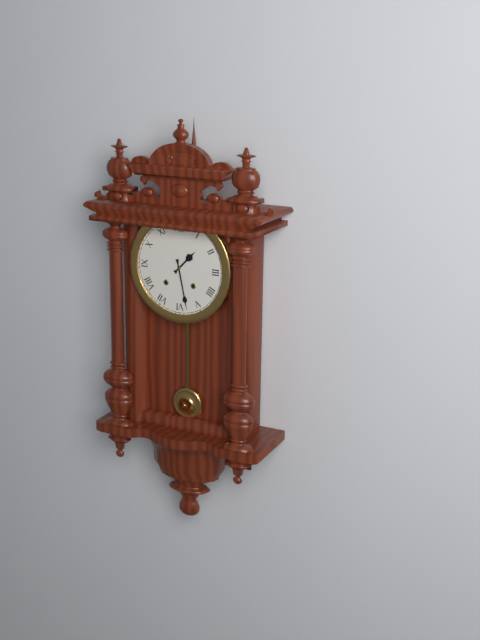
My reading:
**1:28**
